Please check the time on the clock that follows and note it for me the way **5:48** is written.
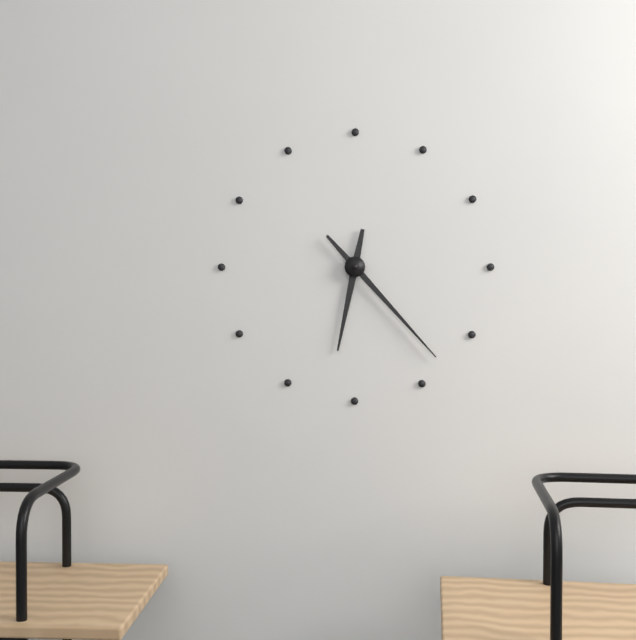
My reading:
**6:23**
